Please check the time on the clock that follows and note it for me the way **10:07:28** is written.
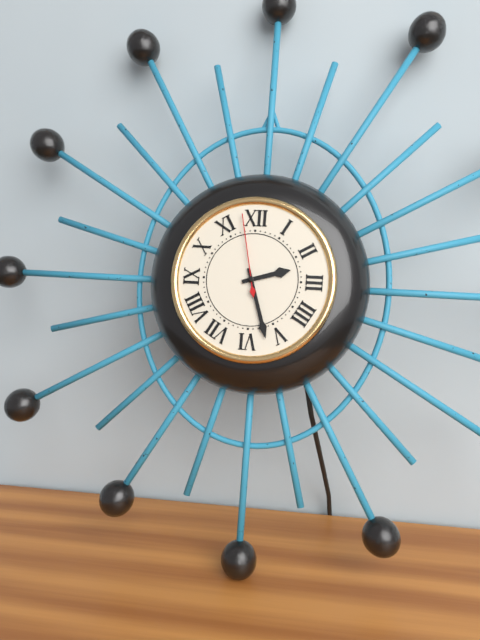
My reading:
**2:27:58**
